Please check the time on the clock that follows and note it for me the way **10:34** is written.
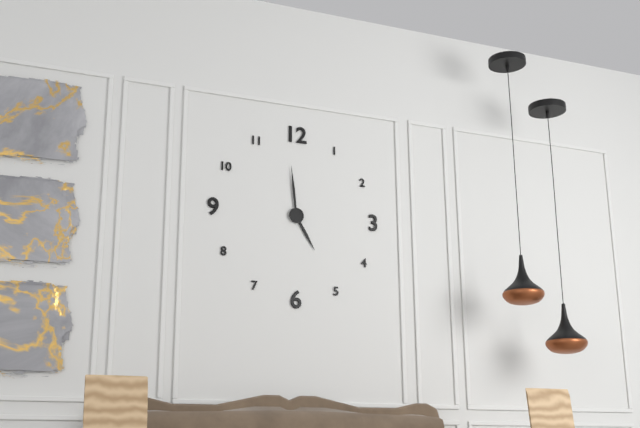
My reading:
**4:59**
